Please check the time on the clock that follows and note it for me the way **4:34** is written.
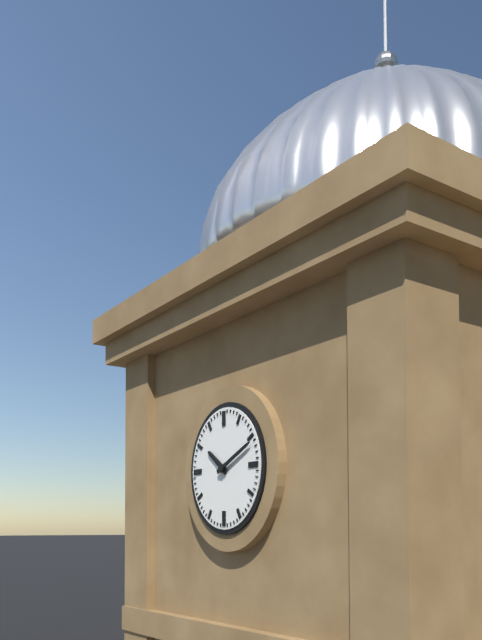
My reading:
**10:11**
